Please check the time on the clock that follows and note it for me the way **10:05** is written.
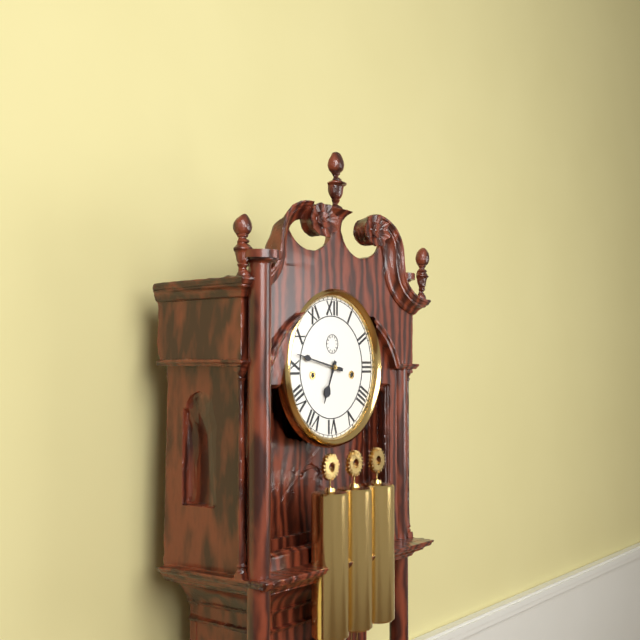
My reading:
**6:47**
